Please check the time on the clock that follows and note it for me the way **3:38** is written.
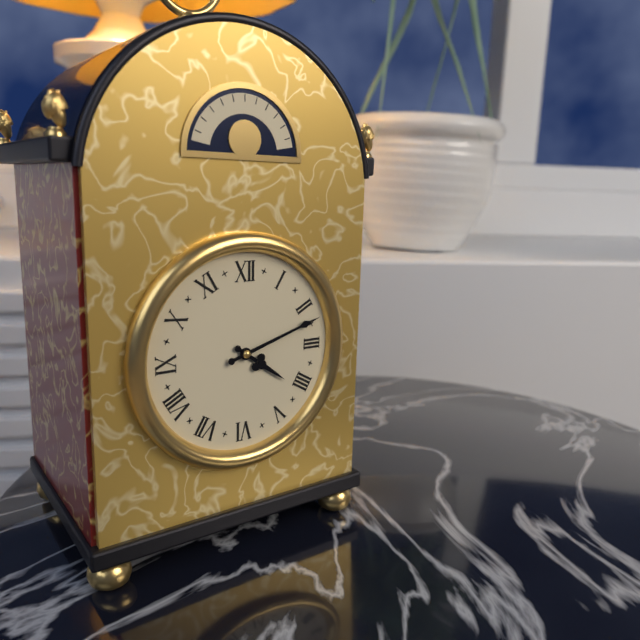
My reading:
**4:12**
